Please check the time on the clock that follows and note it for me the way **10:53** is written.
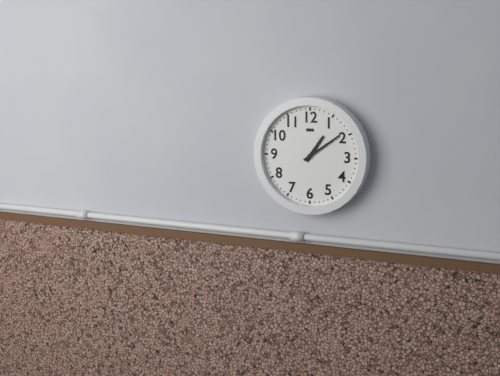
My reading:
**1:09**
